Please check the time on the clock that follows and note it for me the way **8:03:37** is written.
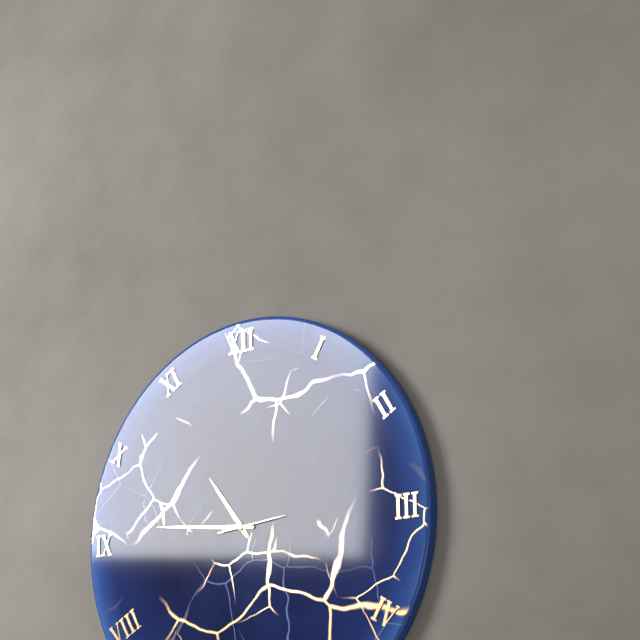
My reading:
**10:46:14**
